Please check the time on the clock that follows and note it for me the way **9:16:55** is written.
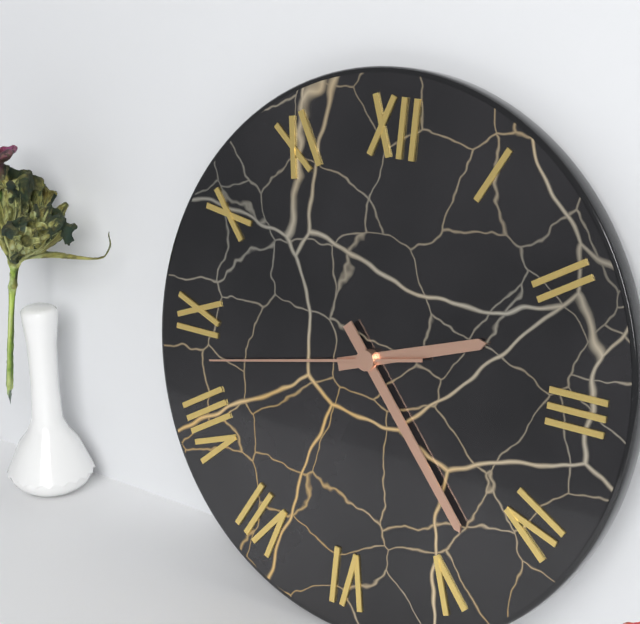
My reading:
**2:23:43**
